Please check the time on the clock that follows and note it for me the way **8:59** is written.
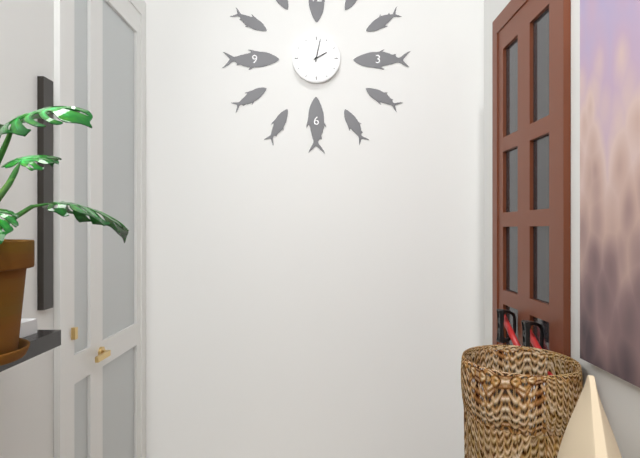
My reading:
**2:02**
